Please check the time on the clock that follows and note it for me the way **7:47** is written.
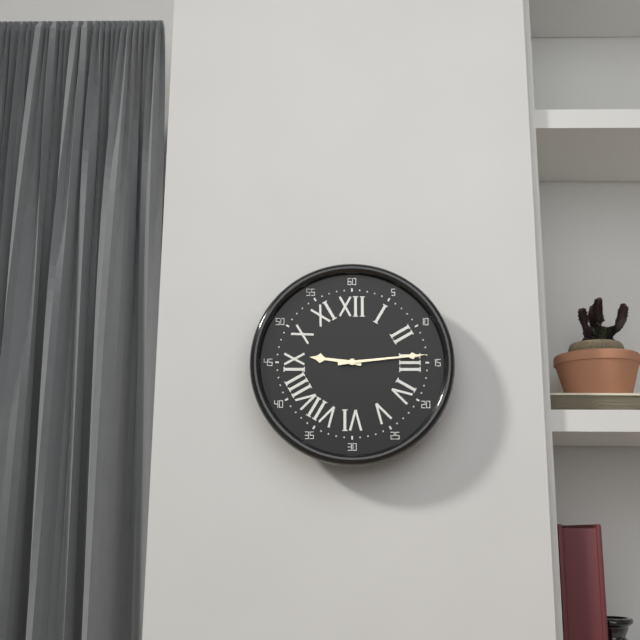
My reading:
**9:14**
